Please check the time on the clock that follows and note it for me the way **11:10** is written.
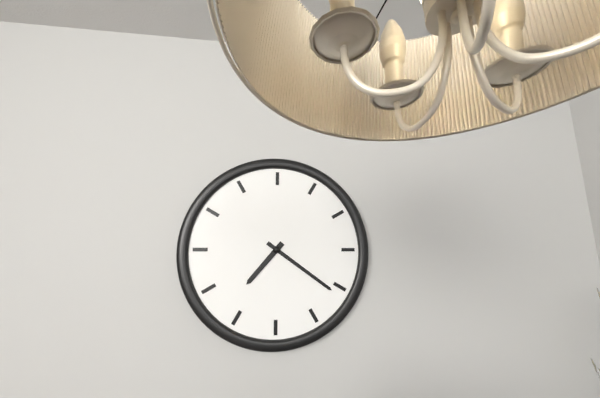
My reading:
**7:21**
